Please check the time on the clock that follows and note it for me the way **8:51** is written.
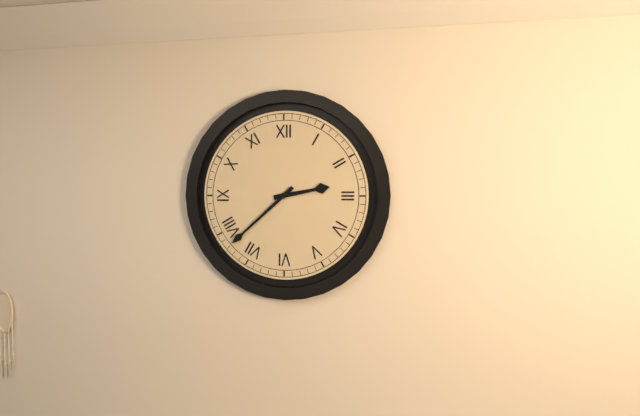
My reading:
**2:38**
